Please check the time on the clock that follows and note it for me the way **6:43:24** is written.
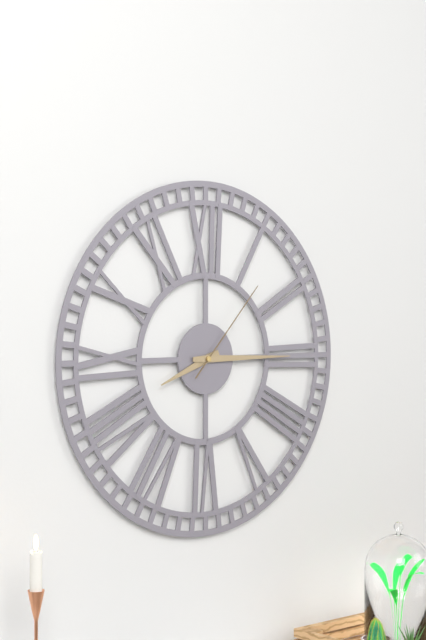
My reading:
**8:15:07**
